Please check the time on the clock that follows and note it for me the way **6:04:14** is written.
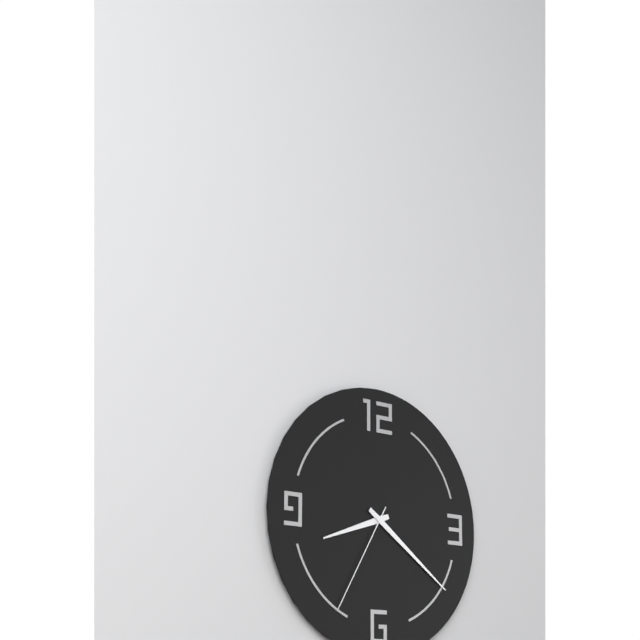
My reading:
**8:21:35**
